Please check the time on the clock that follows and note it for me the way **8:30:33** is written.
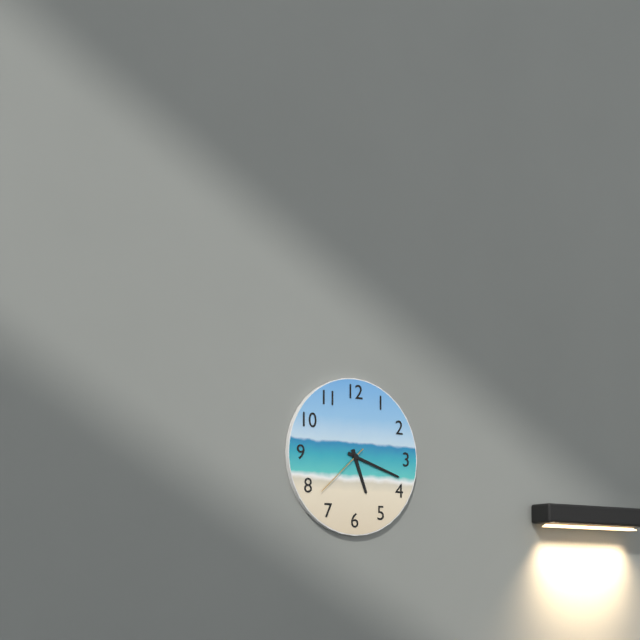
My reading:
**5:18:38**
